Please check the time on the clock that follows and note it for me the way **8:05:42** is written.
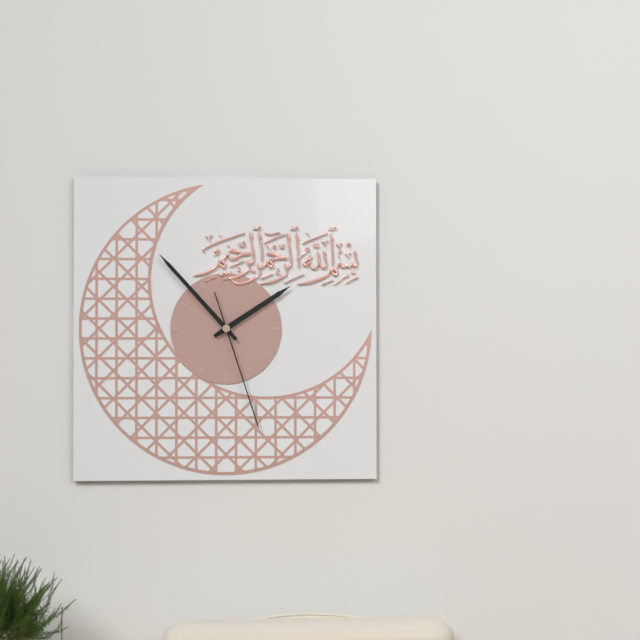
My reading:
**1:53:27**
